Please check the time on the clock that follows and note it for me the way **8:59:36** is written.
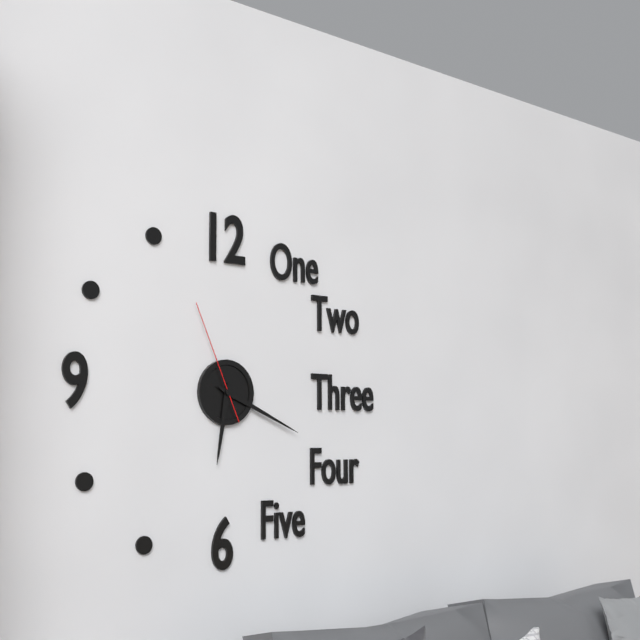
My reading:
**6:19:56**
